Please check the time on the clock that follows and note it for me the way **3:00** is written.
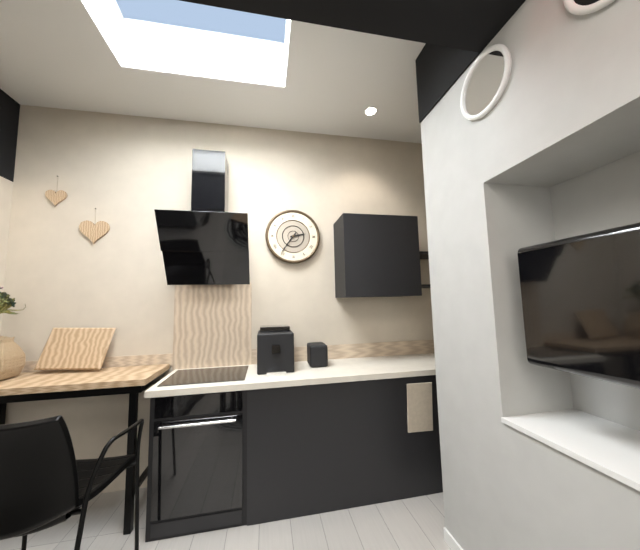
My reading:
**2:36**
